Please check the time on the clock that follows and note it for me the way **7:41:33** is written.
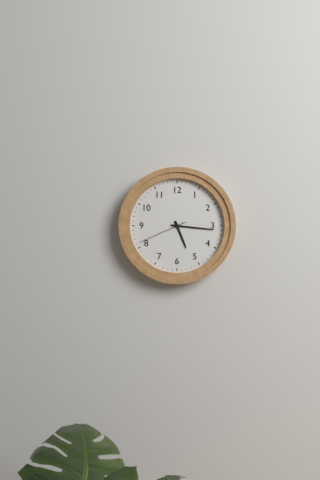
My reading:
**5:16:41**
